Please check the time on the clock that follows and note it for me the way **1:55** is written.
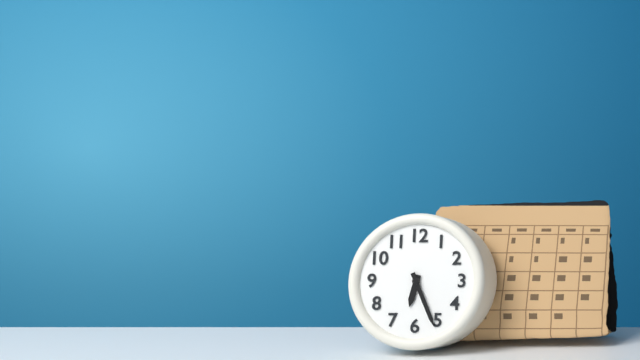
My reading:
**6:26**
